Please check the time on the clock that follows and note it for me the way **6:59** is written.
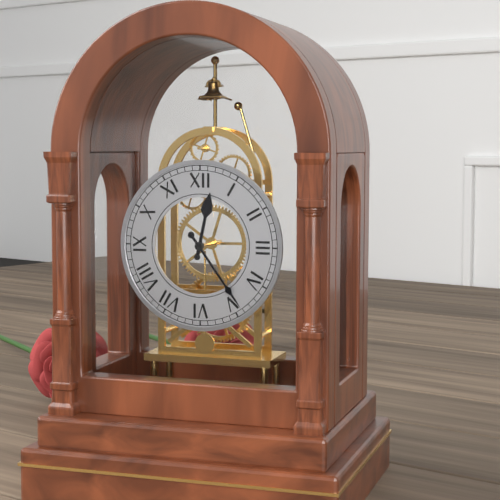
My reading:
**12:24**
